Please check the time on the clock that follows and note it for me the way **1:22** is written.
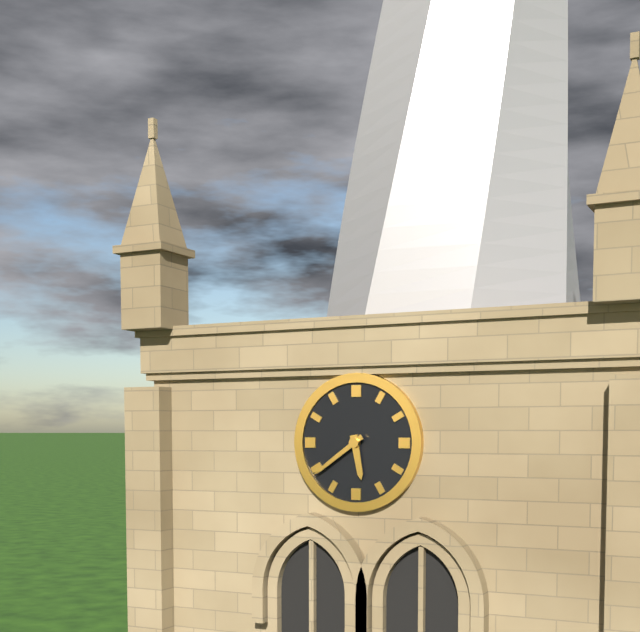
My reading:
**5:39**
